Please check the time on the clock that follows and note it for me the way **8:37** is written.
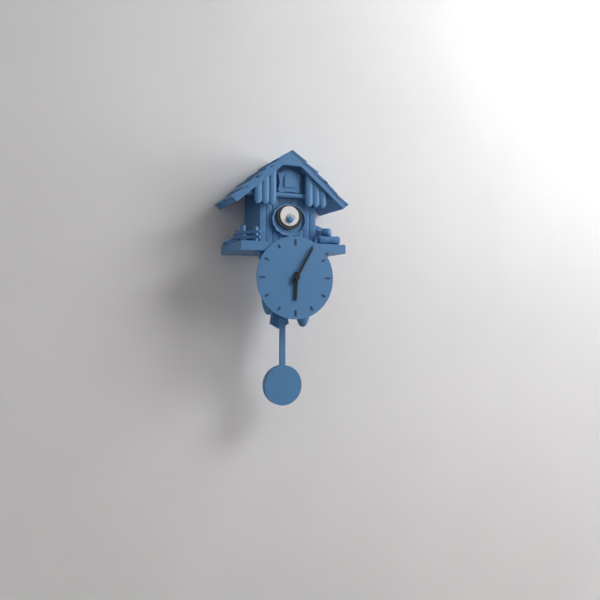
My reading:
**6:05**
